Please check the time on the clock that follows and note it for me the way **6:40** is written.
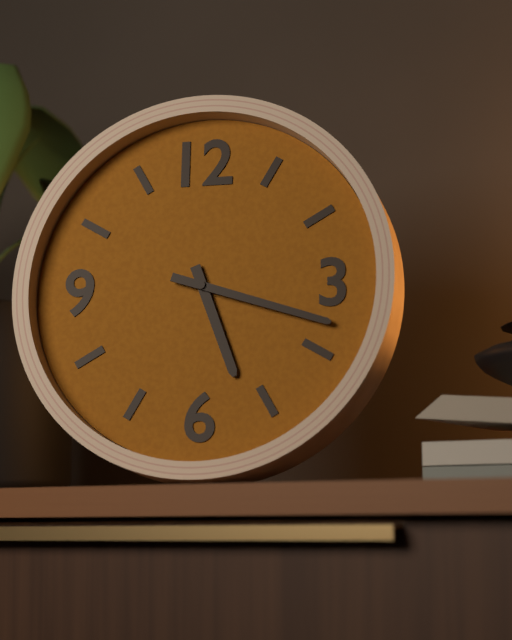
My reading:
**5:18**
